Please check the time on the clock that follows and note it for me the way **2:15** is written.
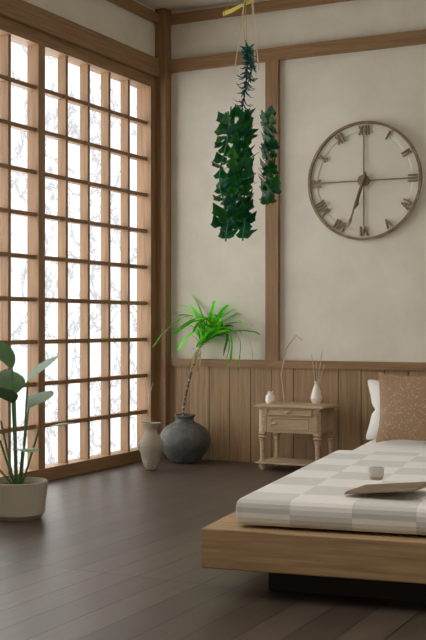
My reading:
**6:33**
